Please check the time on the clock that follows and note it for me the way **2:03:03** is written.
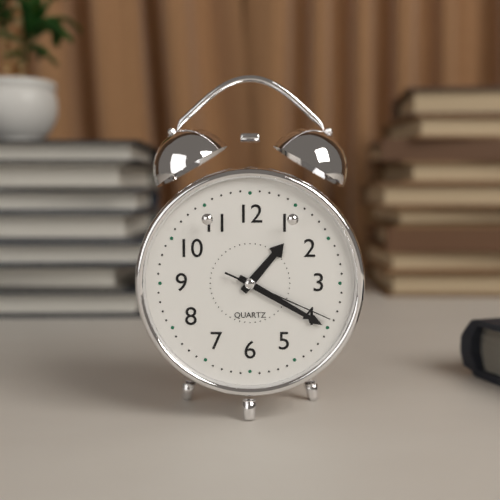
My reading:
**1:20:19**
